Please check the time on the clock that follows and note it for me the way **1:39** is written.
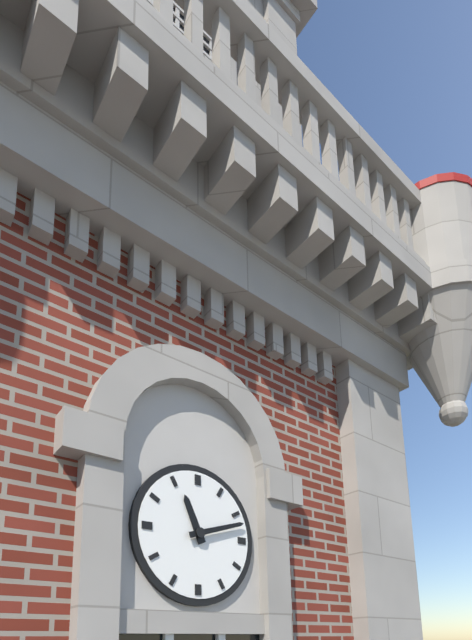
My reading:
**11:12**
